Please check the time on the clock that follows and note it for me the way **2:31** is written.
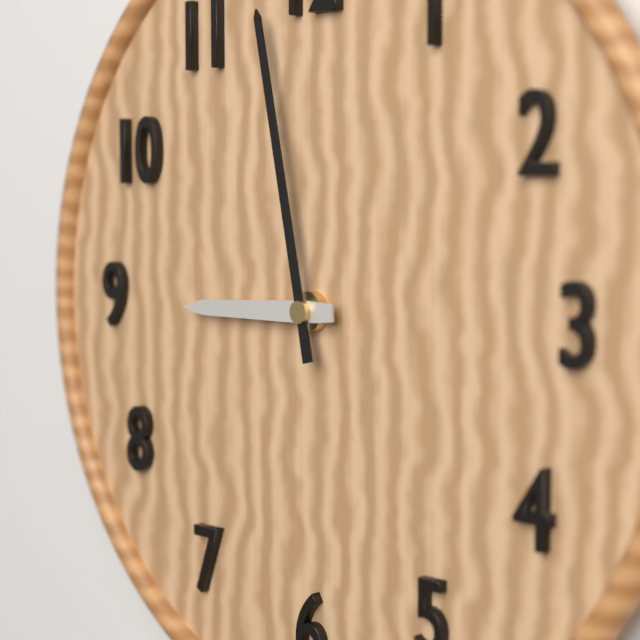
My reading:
**8:58**
